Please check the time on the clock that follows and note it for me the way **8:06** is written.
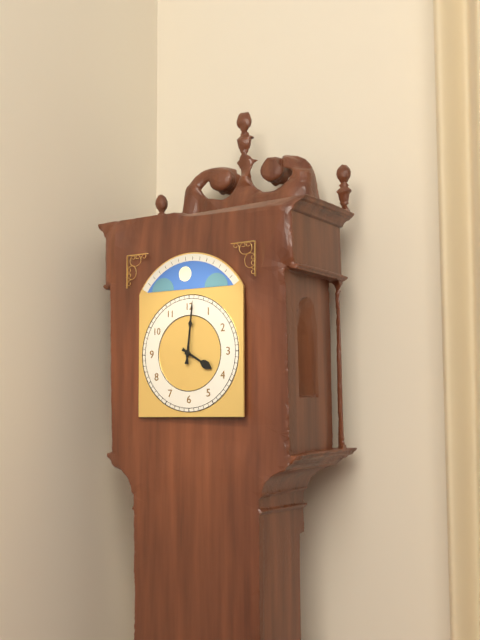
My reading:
**4:01**
